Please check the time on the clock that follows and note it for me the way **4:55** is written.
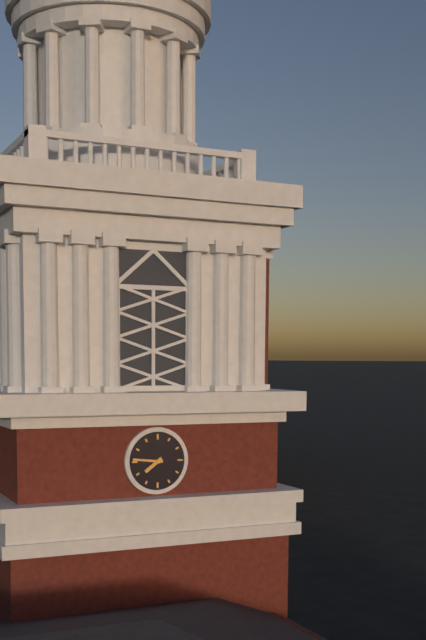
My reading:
**7:46**
